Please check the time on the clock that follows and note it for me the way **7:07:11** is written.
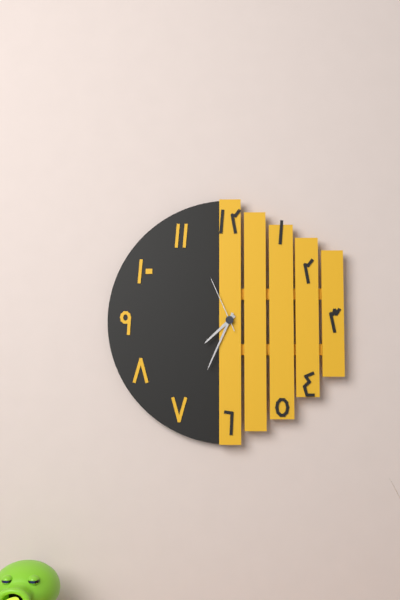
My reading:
**7:34:56**
